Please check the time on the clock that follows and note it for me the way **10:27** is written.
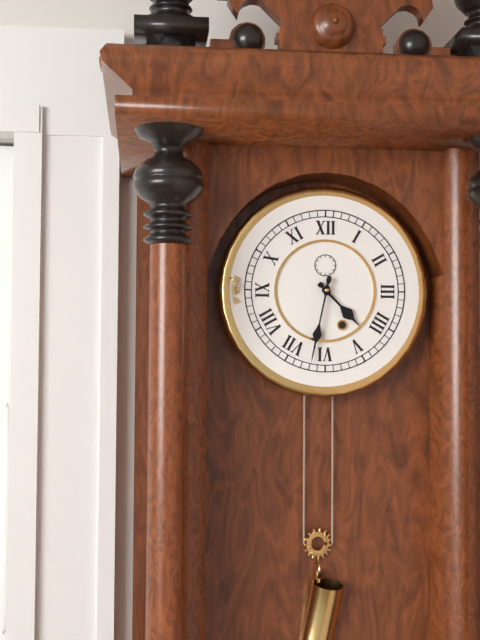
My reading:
**4:32**
